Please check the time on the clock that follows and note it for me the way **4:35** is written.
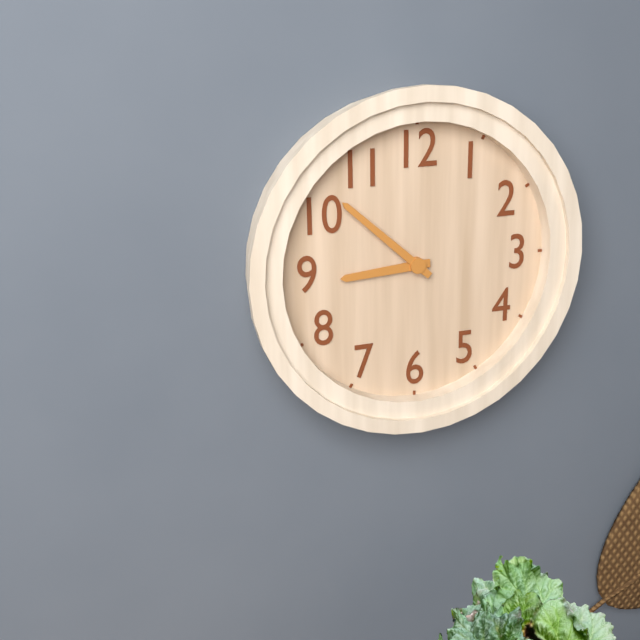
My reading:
**8:52**
